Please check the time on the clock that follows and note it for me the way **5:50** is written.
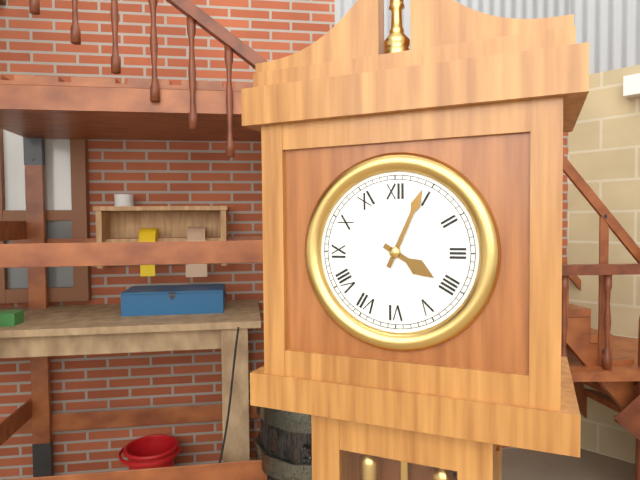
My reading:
**4:04**
